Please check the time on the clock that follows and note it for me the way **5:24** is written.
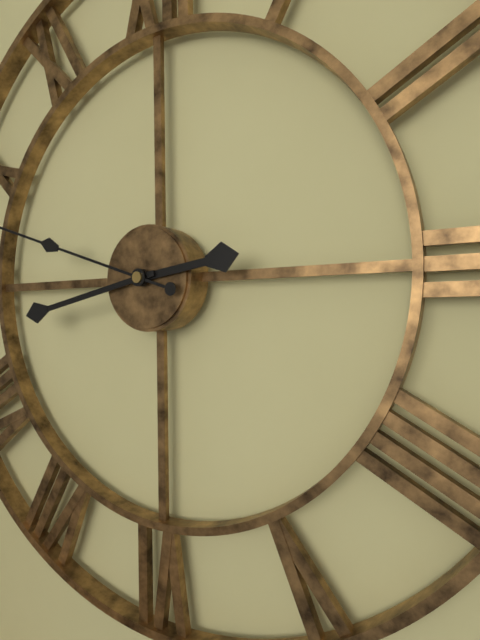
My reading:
**2:43**
